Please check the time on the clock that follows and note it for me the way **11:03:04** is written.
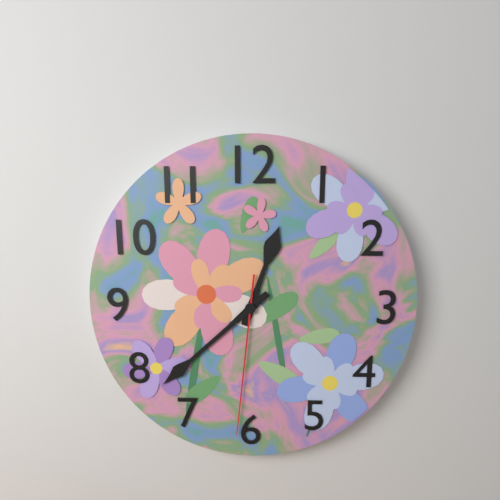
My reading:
**12:38:31**
